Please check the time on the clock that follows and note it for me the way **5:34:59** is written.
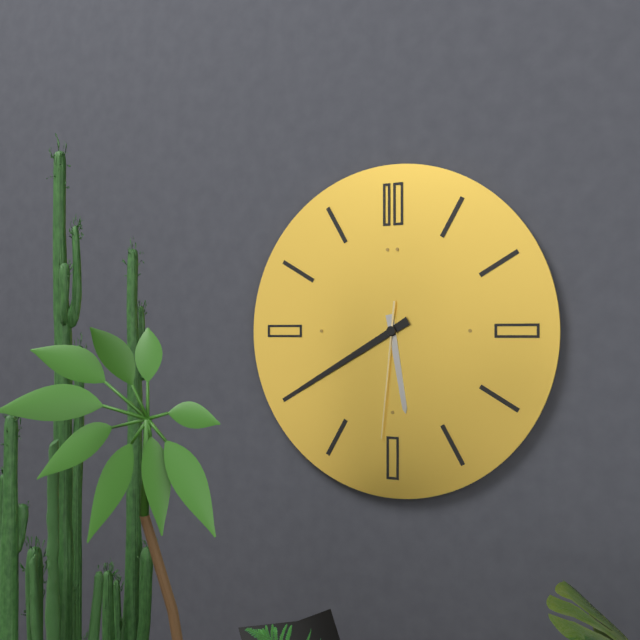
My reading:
**5:40:31**
